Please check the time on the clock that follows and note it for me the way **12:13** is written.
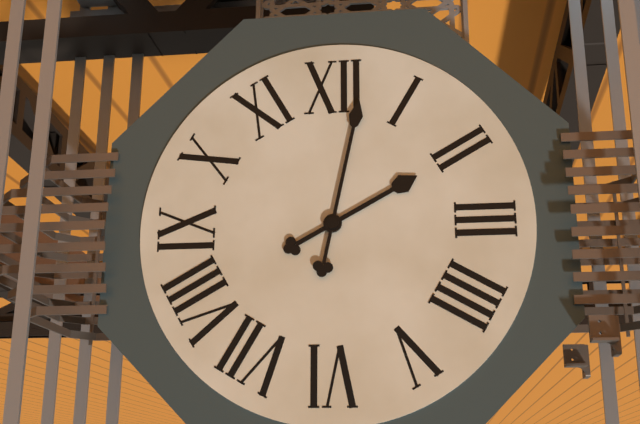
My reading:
**2:02**
